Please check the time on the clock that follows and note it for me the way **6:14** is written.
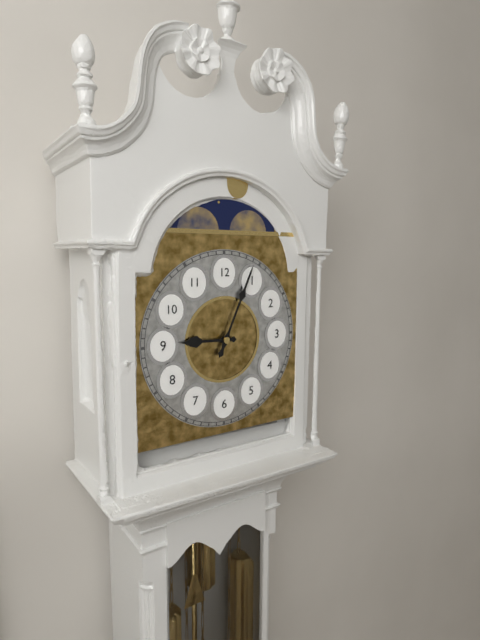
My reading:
**9:04**
